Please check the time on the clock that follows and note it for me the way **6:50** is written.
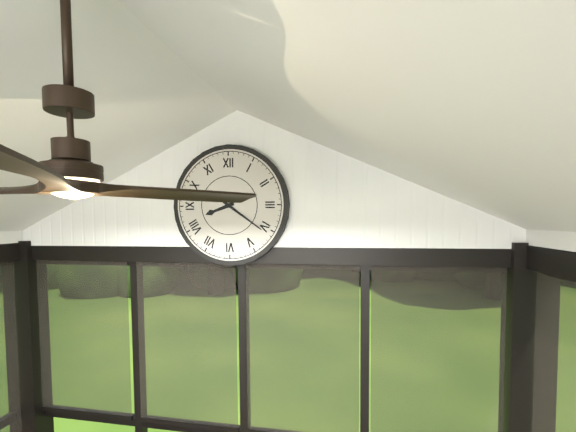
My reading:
**8:21**
